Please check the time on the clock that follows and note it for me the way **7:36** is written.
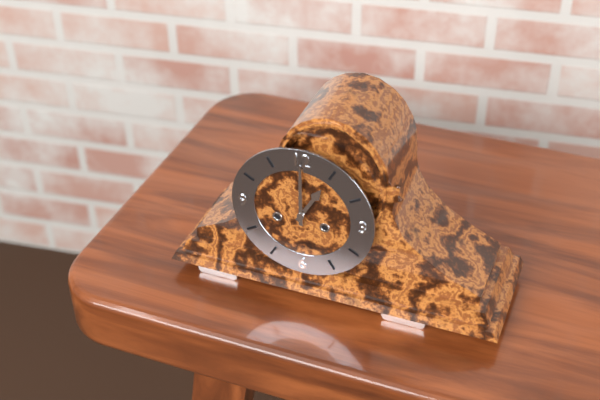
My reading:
**1:00**
